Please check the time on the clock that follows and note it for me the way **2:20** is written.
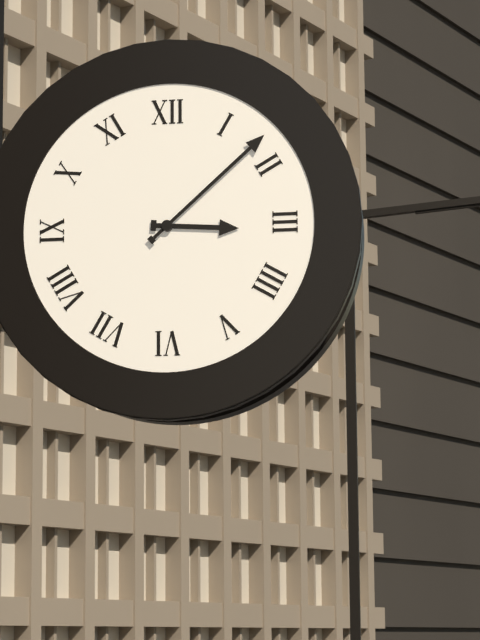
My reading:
**3:08**
